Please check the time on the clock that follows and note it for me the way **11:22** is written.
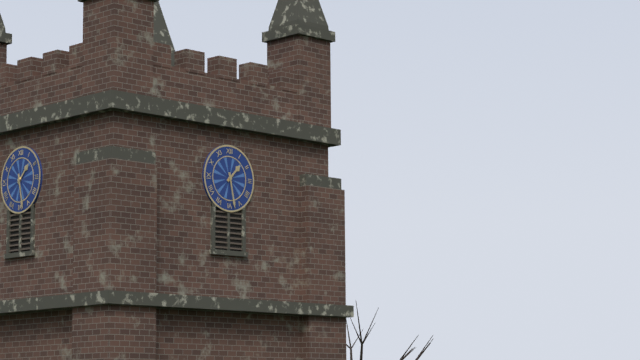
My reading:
**1:28**
